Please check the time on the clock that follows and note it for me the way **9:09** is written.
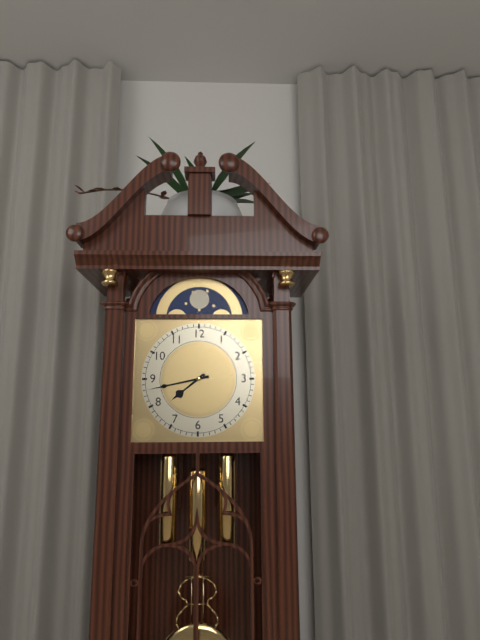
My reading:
**7:43**
